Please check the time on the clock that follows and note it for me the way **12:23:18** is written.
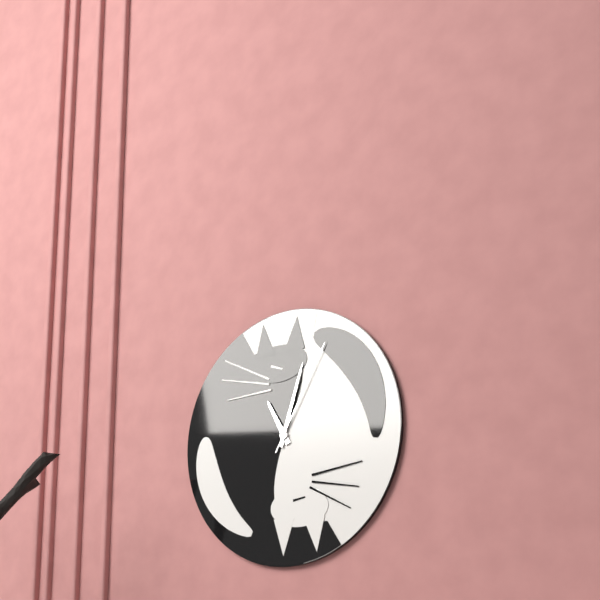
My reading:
**11:03:05**
